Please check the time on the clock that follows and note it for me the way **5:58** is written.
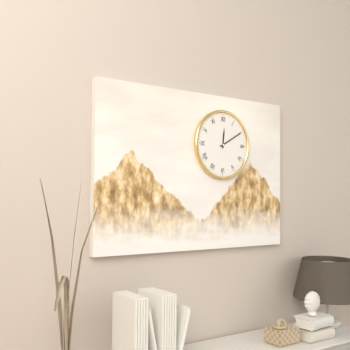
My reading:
**12:10**
